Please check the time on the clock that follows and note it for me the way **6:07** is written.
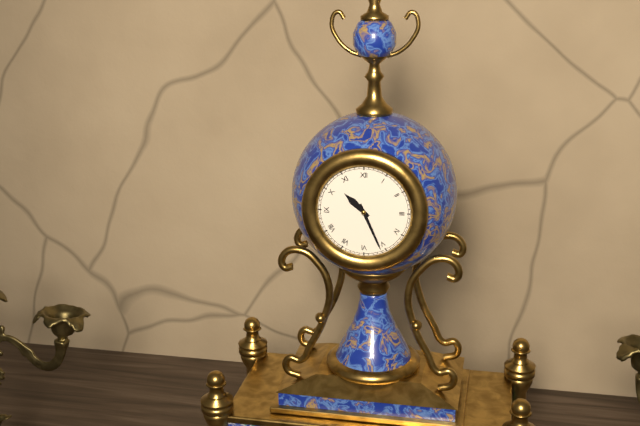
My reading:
**10:26**
